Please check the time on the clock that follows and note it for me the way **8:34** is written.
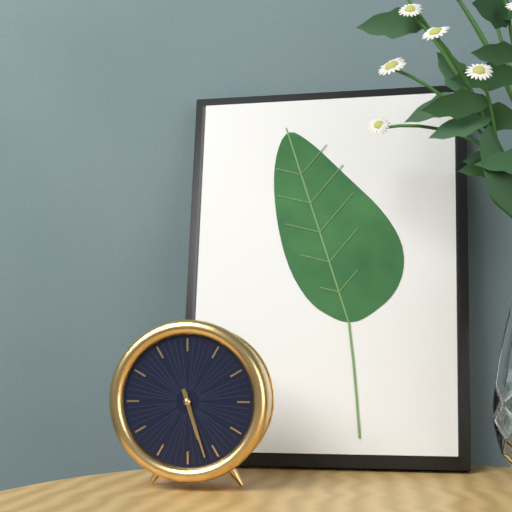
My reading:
**5:27**
